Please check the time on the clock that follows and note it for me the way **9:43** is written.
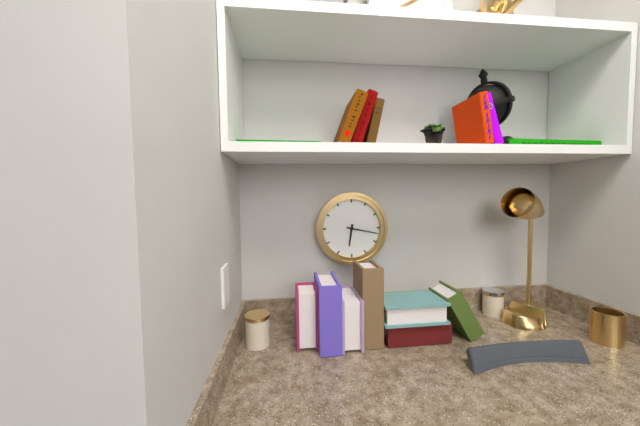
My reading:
**6:17**
